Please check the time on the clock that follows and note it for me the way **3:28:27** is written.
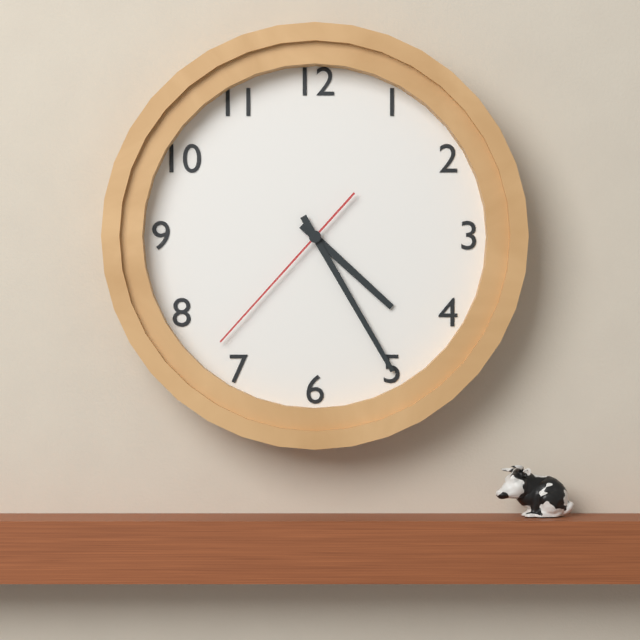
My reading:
**4:25:37**
